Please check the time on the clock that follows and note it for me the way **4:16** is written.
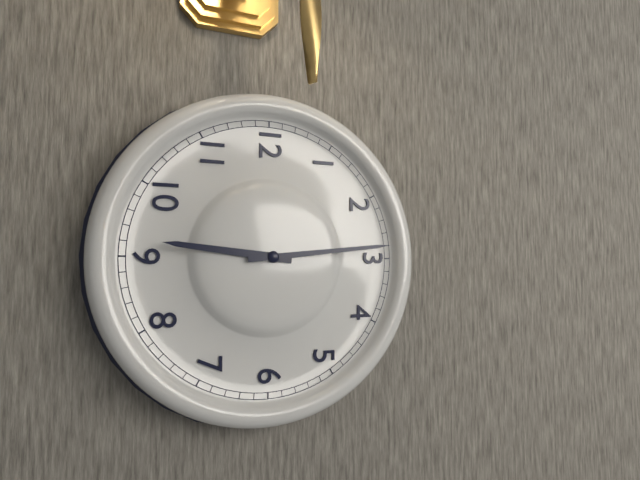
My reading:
**9:14**
